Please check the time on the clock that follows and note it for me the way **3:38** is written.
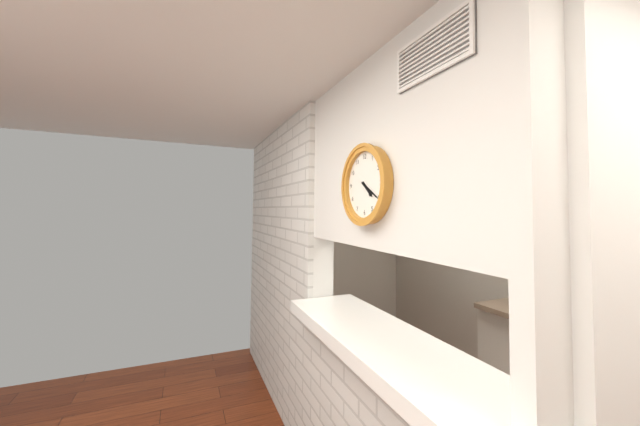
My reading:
**4:20**
